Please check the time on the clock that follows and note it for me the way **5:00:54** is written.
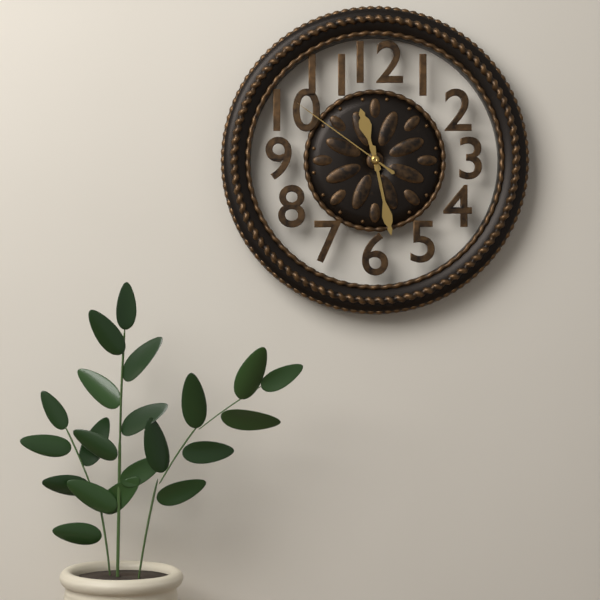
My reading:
**11:28:51**
